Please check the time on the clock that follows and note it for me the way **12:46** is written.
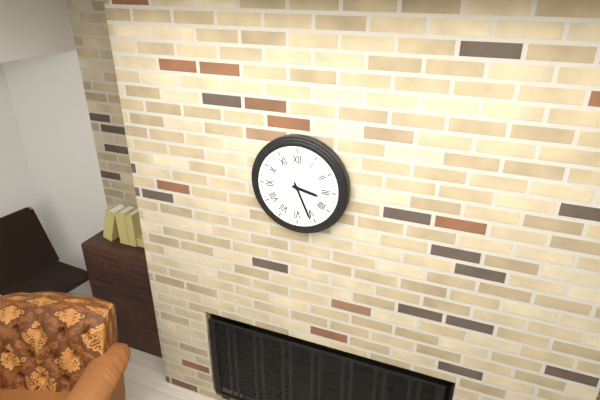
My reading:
**3:26**
